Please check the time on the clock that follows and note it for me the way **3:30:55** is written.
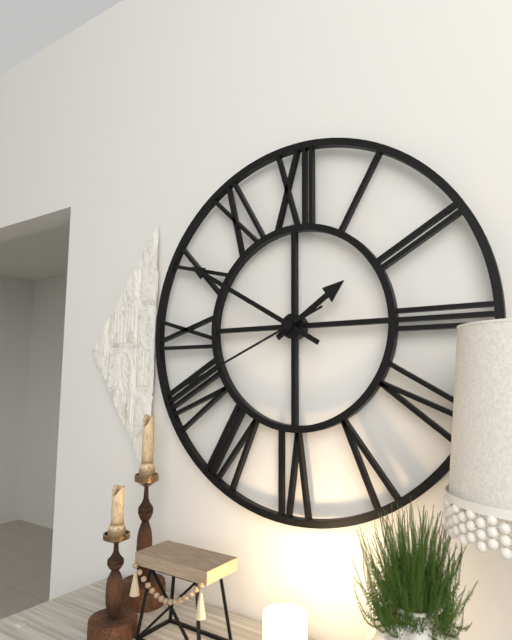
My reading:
**1:50:41**
